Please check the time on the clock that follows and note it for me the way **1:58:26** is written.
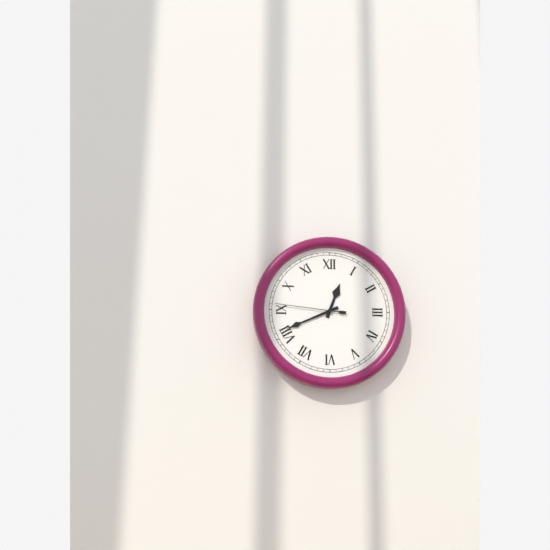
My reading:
**12:41:46**
